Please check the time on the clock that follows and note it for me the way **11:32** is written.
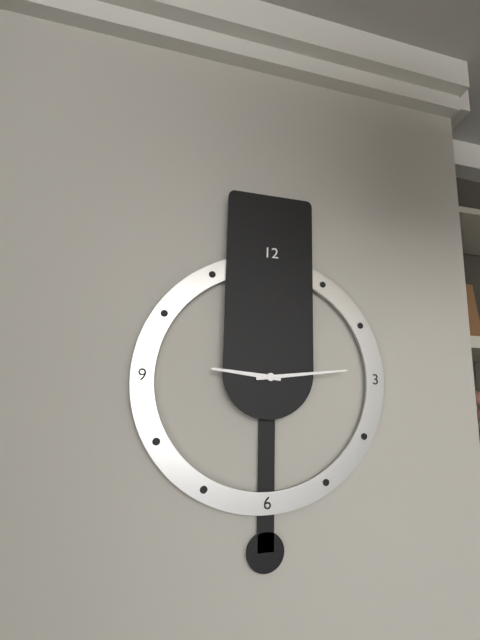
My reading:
**9:14**
